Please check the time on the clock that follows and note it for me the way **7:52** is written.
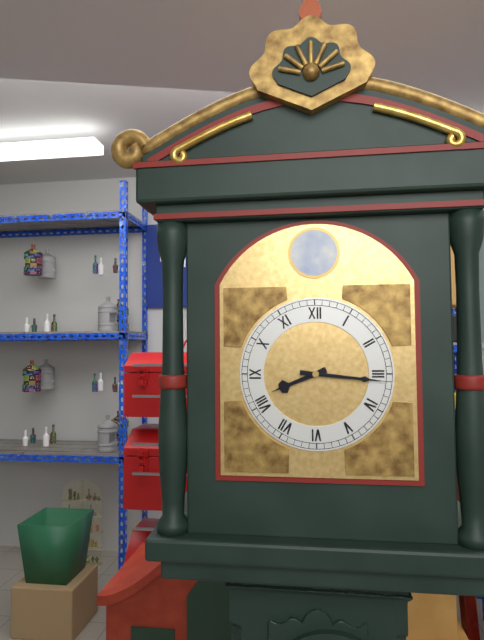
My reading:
**8:16**
